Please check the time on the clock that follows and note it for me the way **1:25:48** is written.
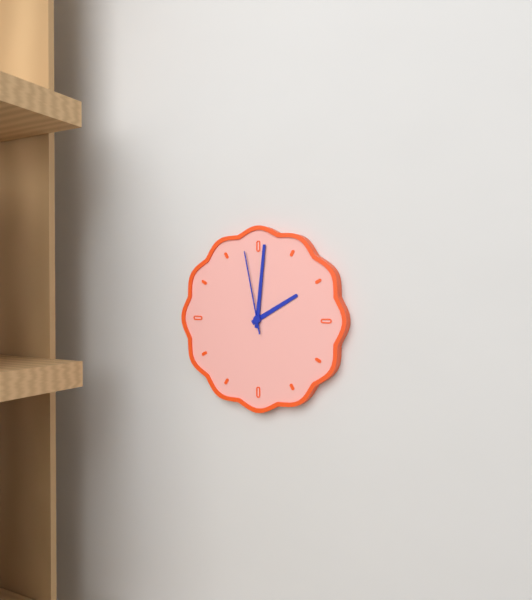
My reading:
**2:01:58**
